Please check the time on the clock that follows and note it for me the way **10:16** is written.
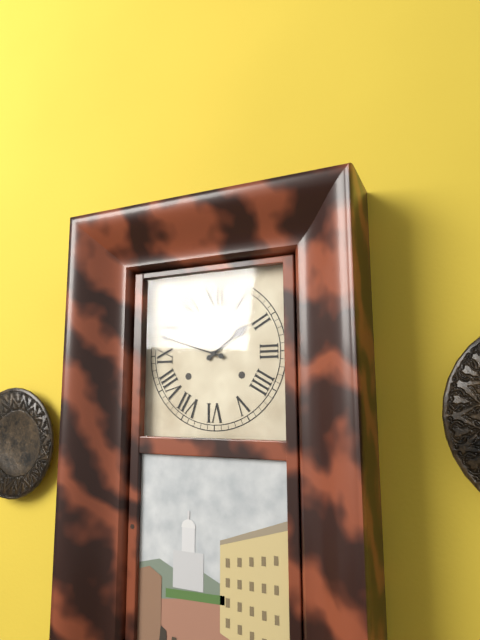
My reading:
**1:48**
